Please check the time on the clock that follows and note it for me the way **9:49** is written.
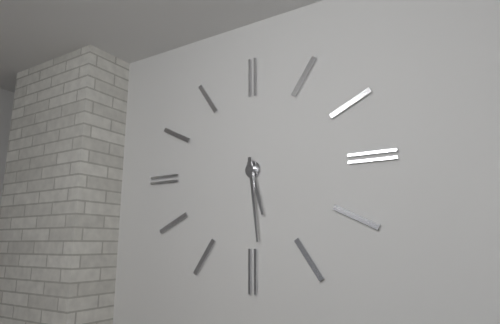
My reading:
**5:29**
